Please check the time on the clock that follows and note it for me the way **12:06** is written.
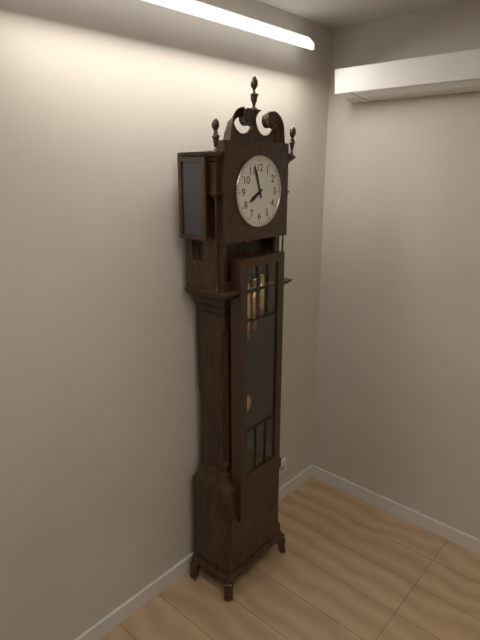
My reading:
**7:57**
